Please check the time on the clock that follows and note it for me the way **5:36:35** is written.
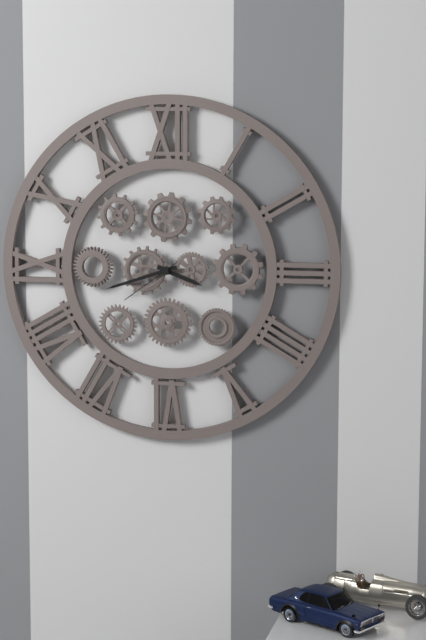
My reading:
**3:42:39**
